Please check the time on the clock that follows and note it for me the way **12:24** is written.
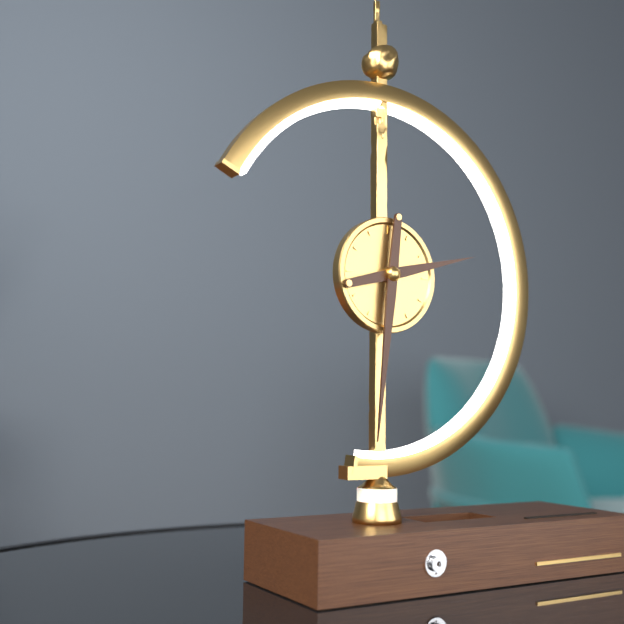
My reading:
**2:31**
